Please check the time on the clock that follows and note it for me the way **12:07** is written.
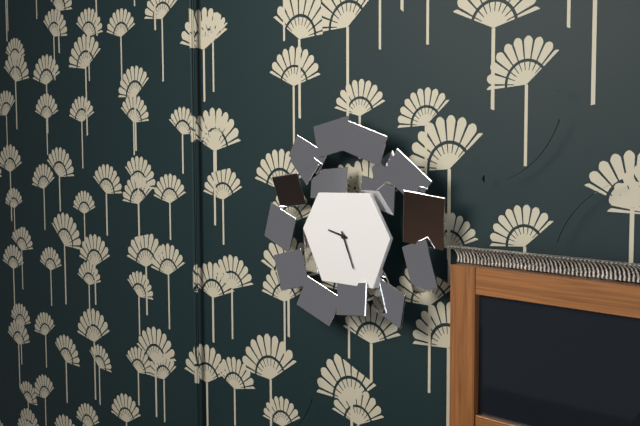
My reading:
**9:26**
